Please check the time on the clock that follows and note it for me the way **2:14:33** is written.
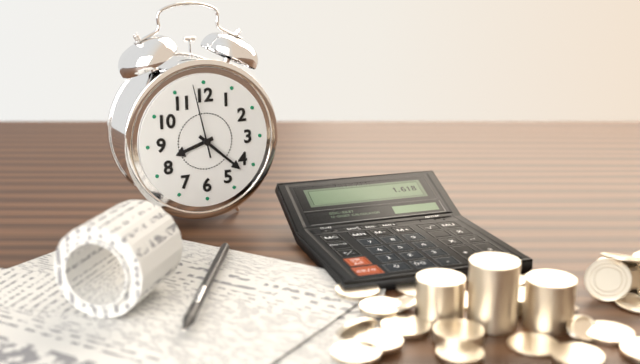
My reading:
**8:22:58**
